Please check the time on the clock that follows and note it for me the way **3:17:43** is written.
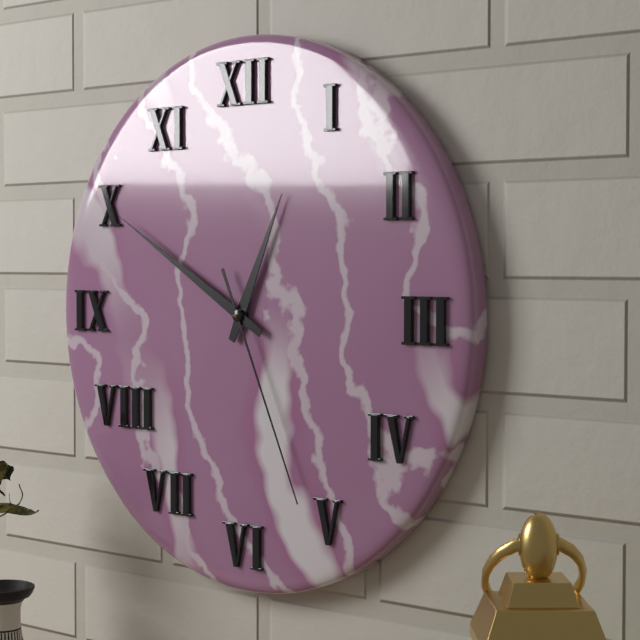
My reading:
**12:50:26**
